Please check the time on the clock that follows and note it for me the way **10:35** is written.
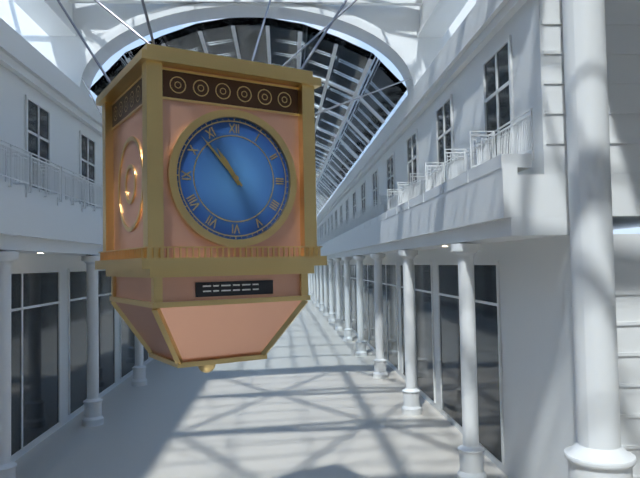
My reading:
**10:53**
